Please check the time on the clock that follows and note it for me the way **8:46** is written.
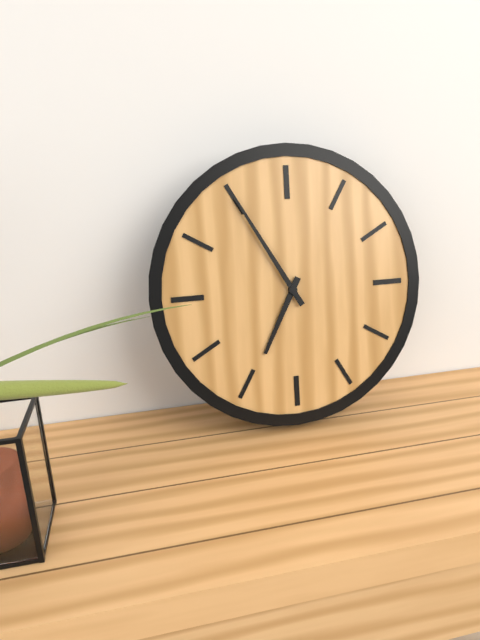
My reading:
**6:55**
